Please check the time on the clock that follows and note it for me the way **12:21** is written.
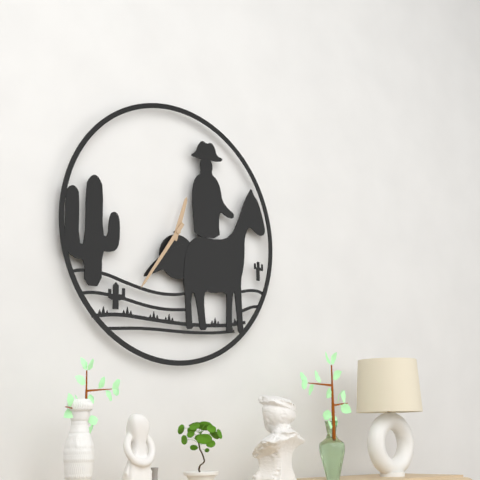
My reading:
**12:36**
